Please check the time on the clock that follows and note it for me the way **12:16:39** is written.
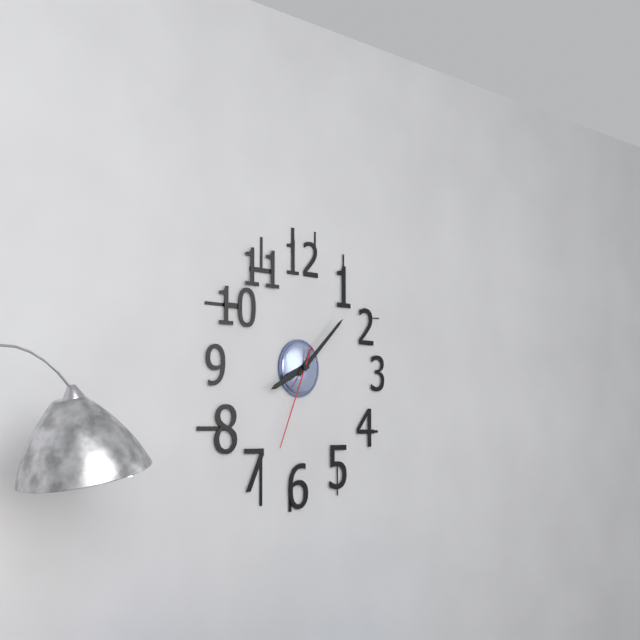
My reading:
**8:08:34**
